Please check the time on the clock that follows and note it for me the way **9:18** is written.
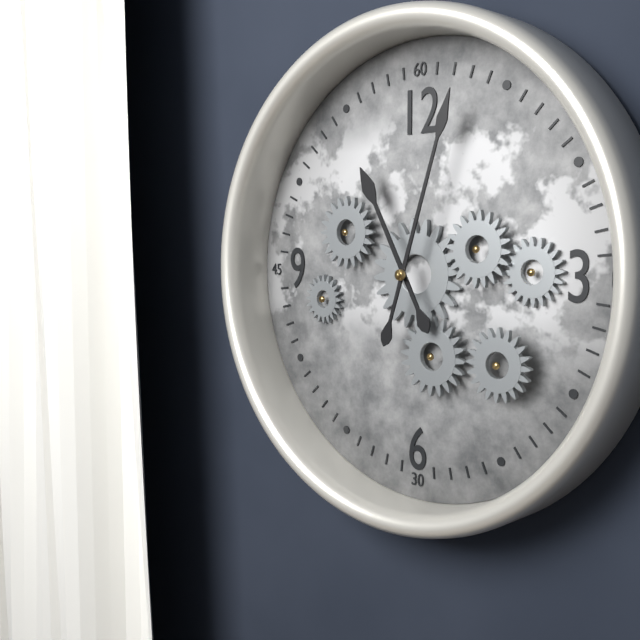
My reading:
**11:03**
